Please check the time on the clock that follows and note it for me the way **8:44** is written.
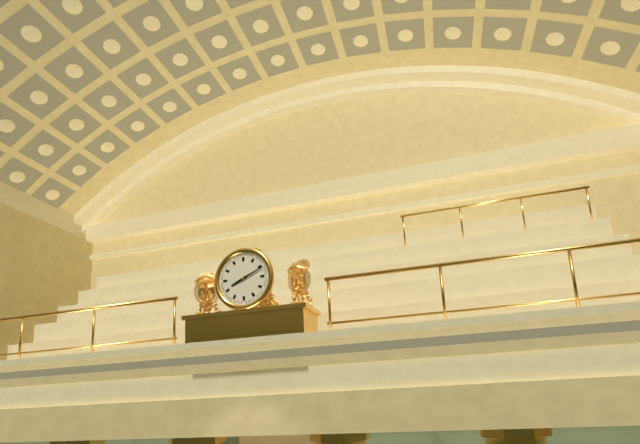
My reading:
**8:11**
